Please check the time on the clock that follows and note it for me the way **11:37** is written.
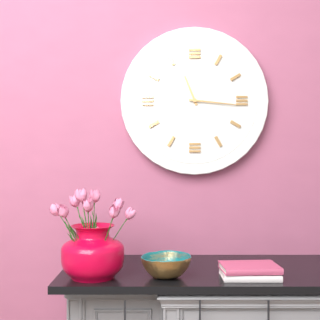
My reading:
**11:16**
